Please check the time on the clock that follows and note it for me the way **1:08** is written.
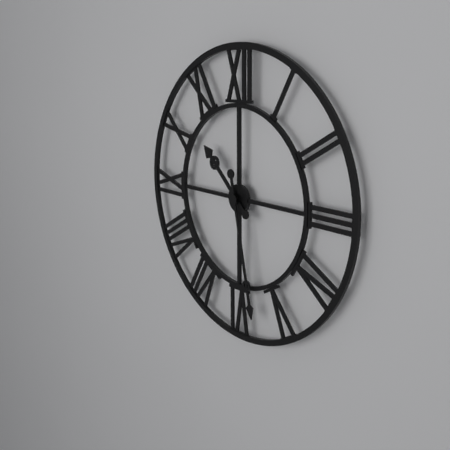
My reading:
**10:28**
